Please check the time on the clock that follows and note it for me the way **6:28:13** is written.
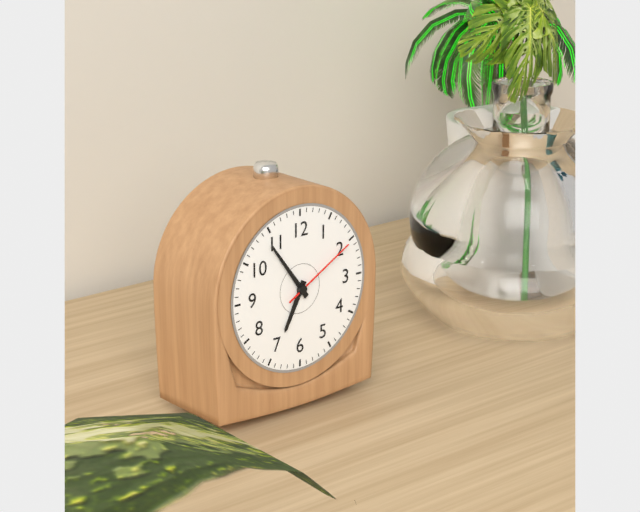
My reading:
**6:54:10**
